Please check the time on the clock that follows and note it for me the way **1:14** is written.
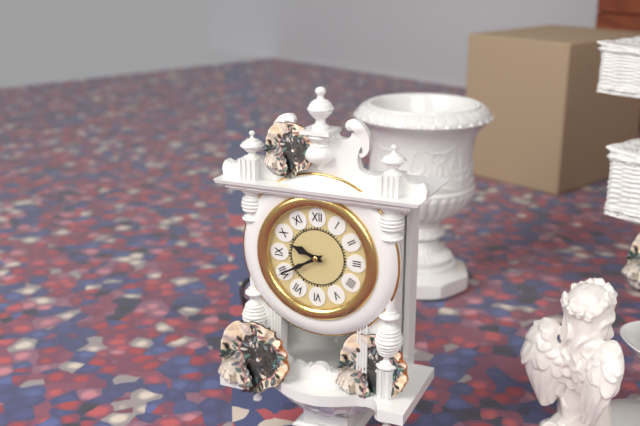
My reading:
**9:40**
